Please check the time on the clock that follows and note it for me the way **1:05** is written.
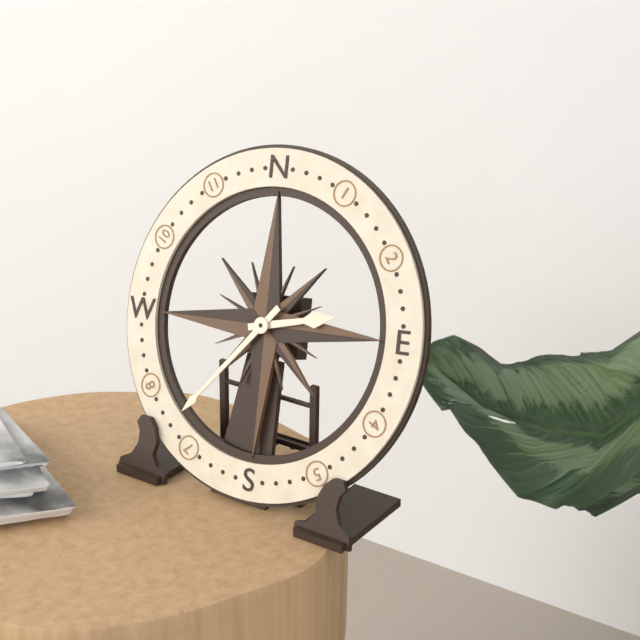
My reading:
**2:37**
